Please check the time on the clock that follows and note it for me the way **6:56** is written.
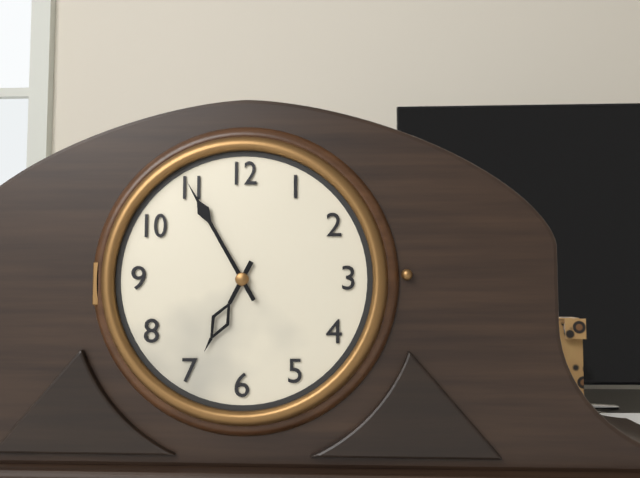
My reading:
**6:55**
